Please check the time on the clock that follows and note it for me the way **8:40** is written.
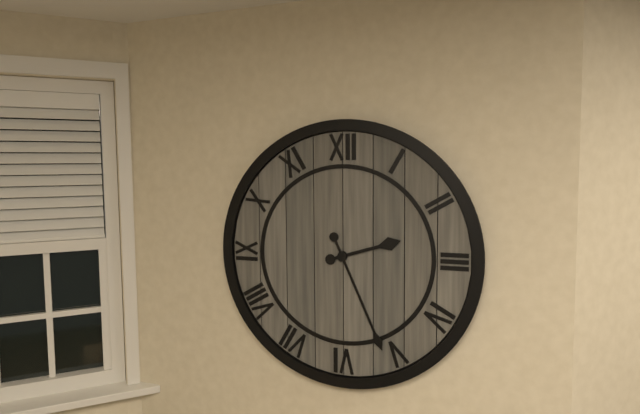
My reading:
**2:26**
